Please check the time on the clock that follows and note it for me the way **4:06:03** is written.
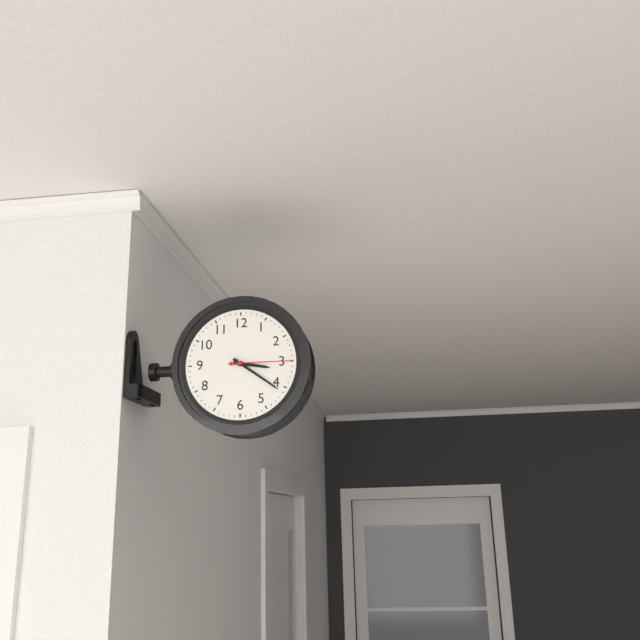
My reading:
**3:21:15**
